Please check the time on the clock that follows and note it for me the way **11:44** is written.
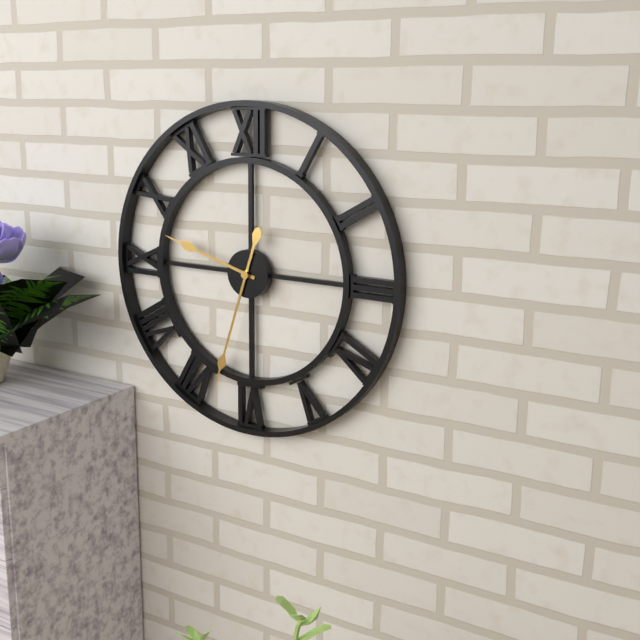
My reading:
**9:33**
